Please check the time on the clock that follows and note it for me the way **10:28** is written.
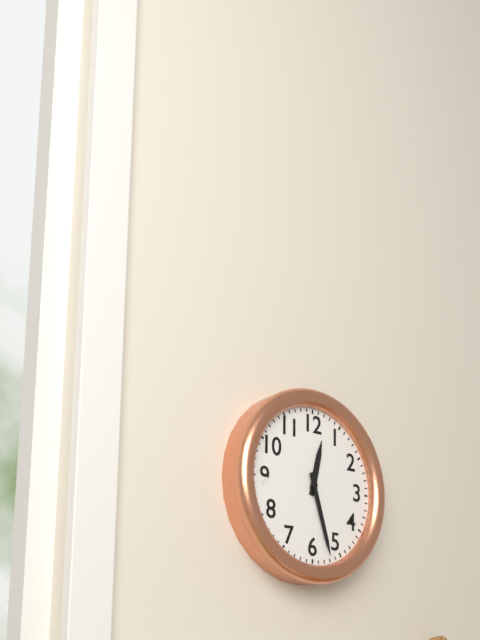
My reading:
**12:27**
